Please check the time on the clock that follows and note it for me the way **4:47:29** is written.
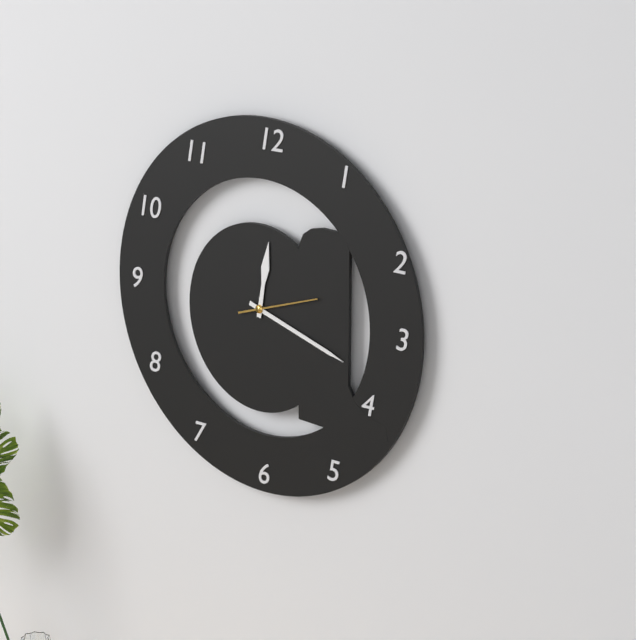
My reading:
**12:18:12**
